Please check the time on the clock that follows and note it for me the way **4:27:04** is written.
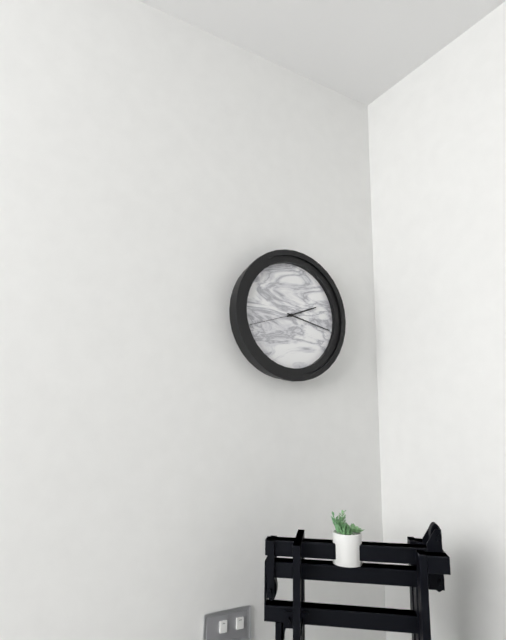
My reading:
**2:17:42**
